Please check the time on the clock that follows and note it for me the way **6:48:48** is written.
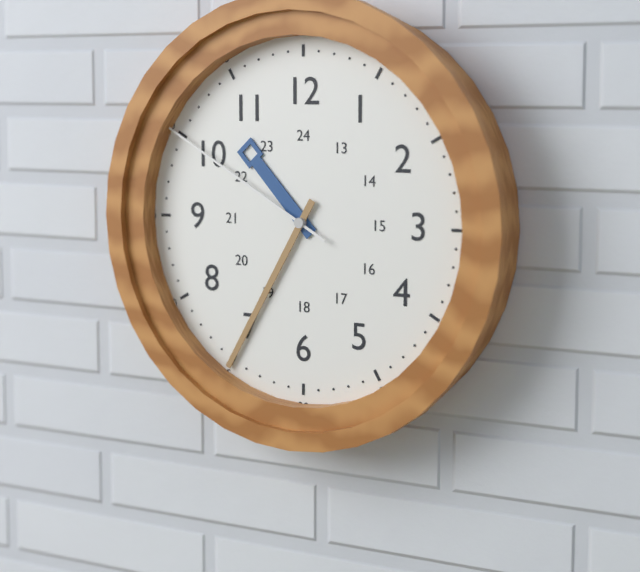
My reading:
**10:35:50**
